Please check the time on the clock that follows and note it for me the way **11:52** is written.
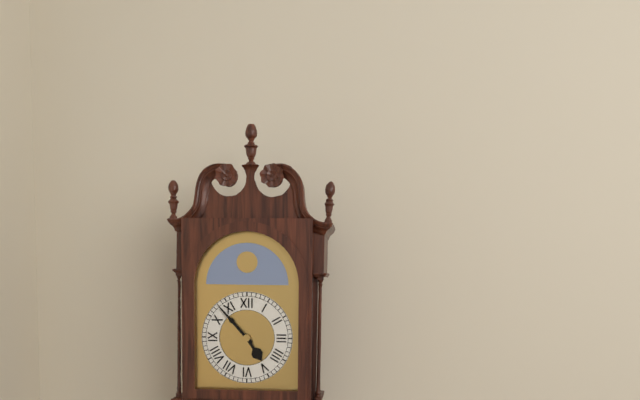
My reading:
**4:53**
